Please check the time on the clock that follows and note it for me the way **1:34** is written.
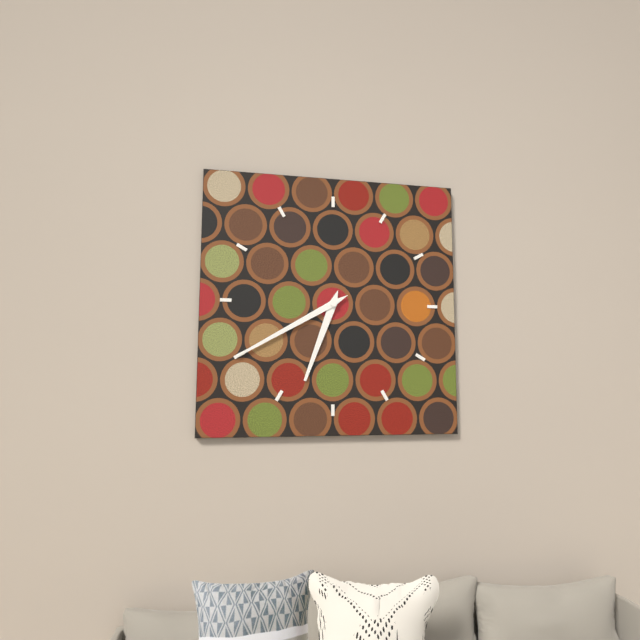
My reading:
**6:40**
